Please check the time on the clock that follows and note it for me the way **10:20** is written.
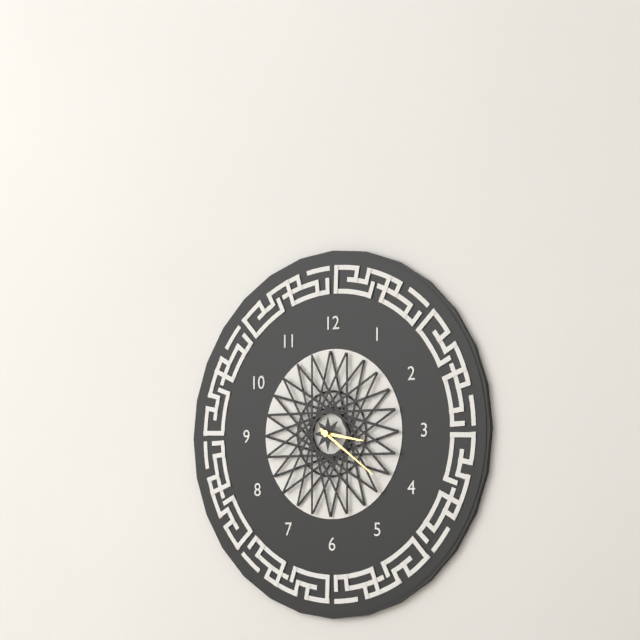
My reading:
**3:21**
